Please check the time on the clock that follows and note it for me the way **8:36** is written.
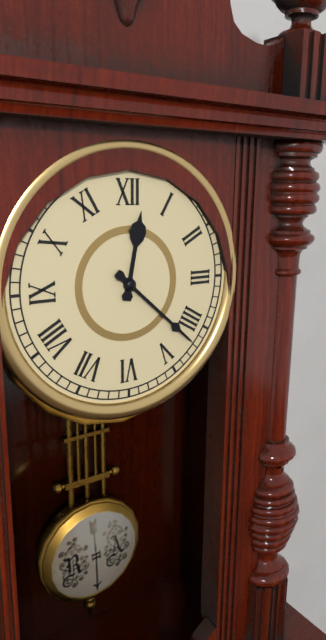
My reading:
**12:22**
